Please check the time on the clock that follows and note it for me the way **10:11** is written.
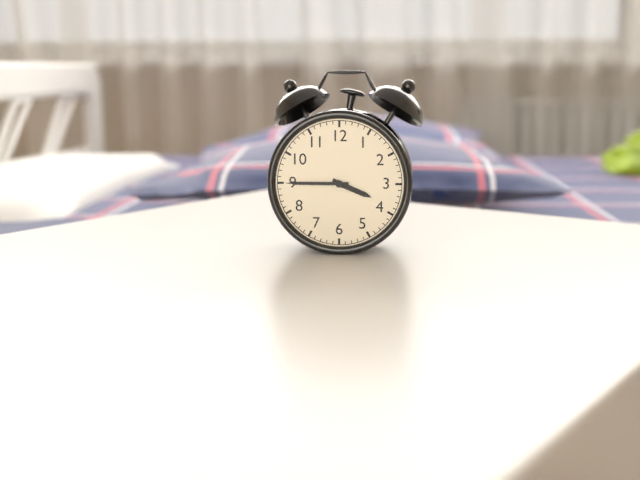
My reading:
**3:45**
